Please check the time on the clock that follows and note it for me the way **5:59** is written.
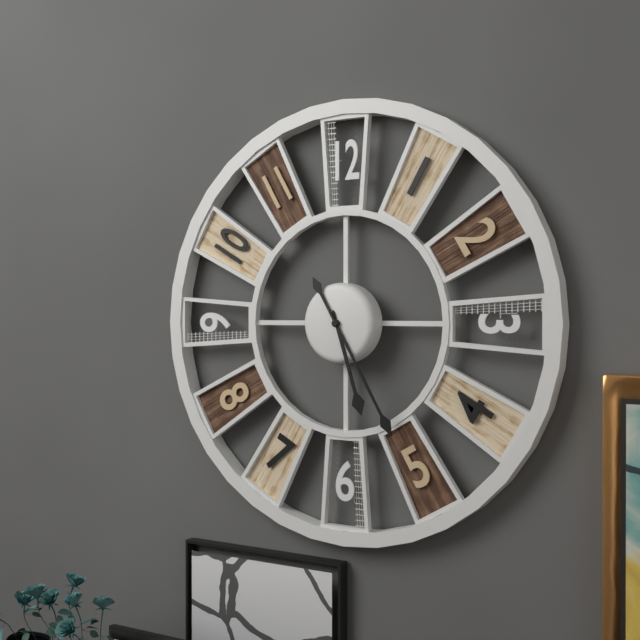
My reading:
**5:25**
